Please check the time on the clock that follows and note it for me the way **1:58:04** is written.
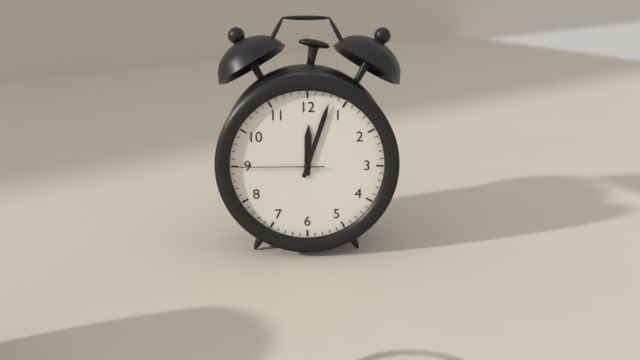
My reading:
**12:03:45**
